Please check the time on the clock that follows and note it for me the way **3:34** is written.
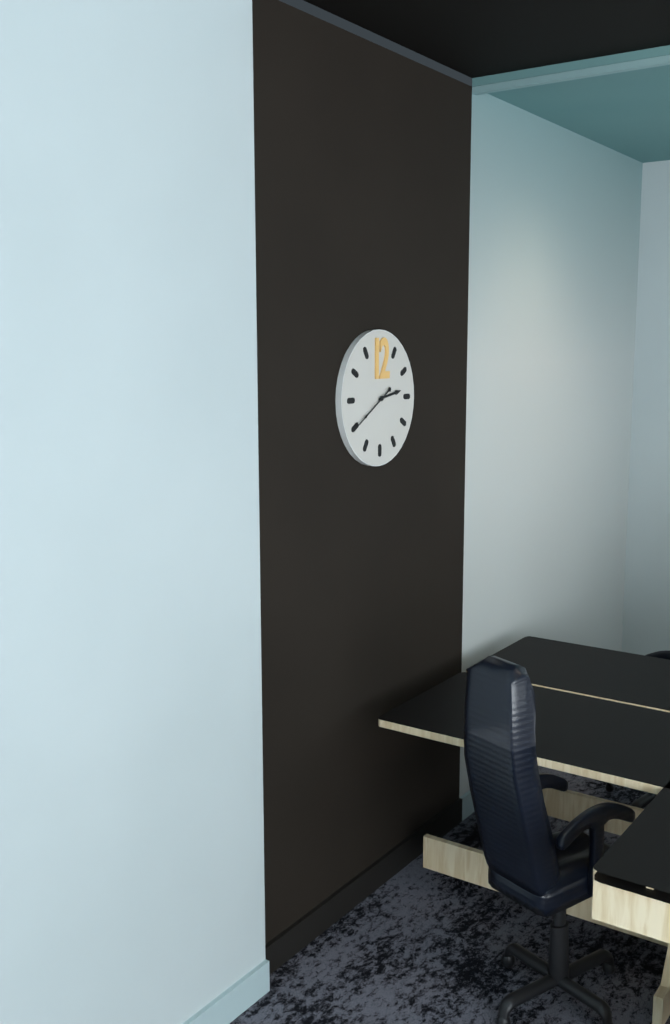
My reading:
**2:40**
